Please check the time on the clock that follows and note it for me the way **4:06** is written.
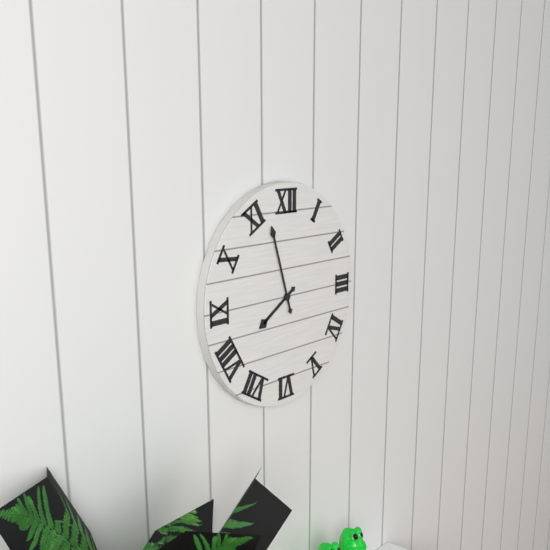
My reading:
**7:57**
